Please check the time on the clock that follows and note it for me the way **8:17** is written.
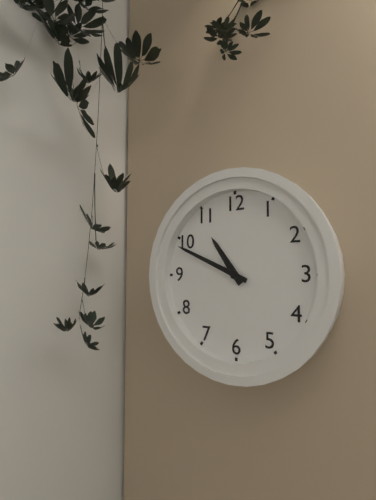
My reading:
**10:49**
